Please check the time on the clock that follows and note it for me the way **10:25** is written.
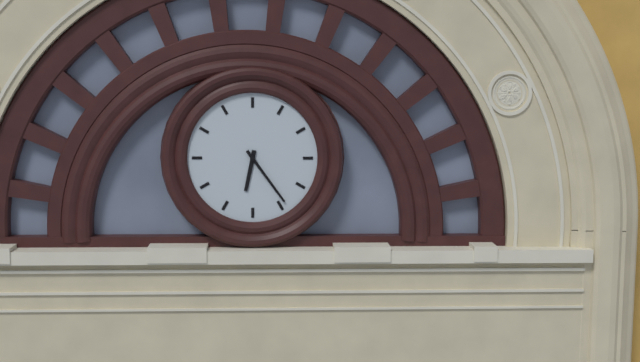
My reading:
**6:24**
